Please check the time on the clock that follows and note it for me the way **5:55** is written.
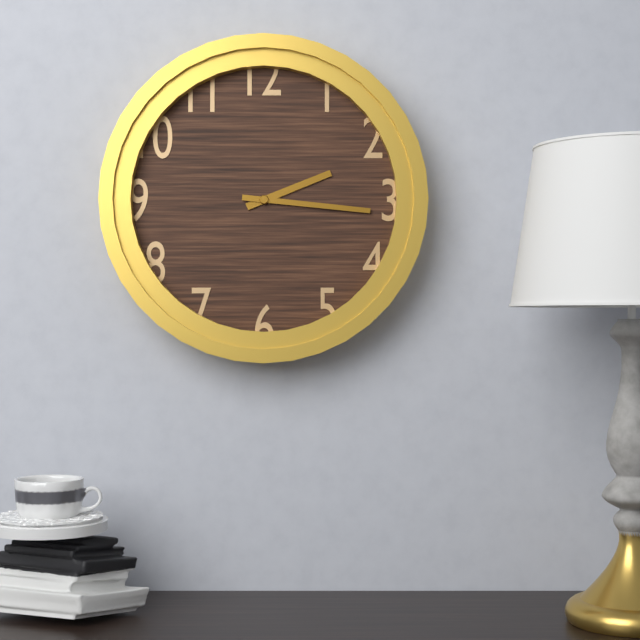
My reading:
**2:16**
